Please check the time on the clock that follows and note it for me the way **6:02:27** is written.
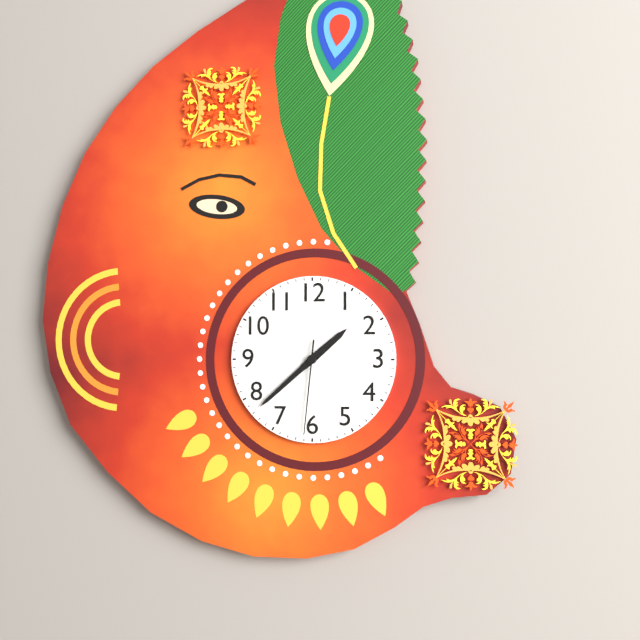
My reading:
**1:38:31**
